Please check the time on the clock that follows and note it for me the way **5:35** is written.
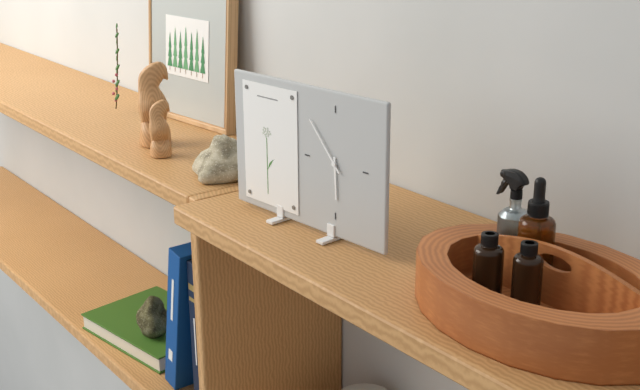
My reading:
**5:53**
